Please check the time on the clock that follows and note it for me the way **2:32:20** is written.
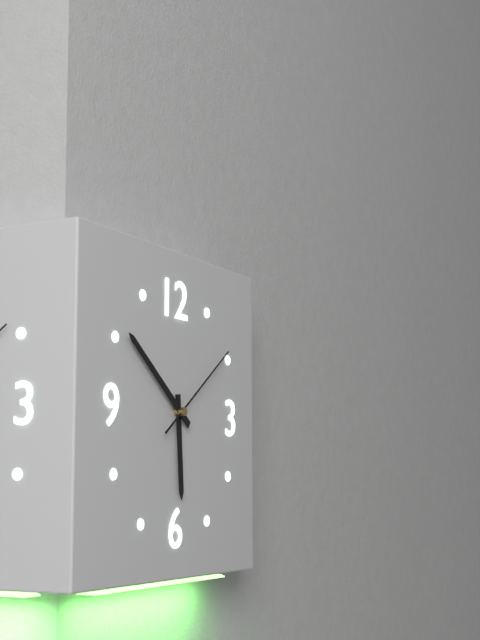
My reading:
**5:51:09**
